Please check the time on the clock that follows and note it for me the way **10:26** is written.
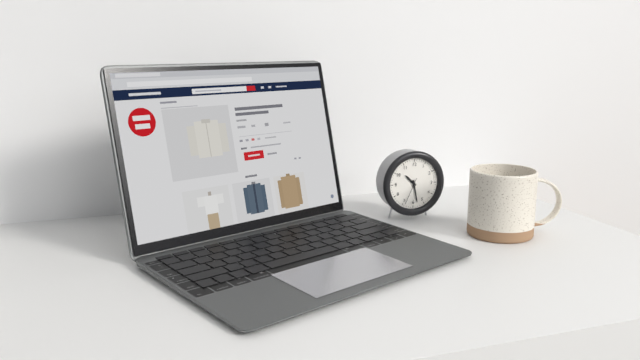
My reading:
**10:28**
